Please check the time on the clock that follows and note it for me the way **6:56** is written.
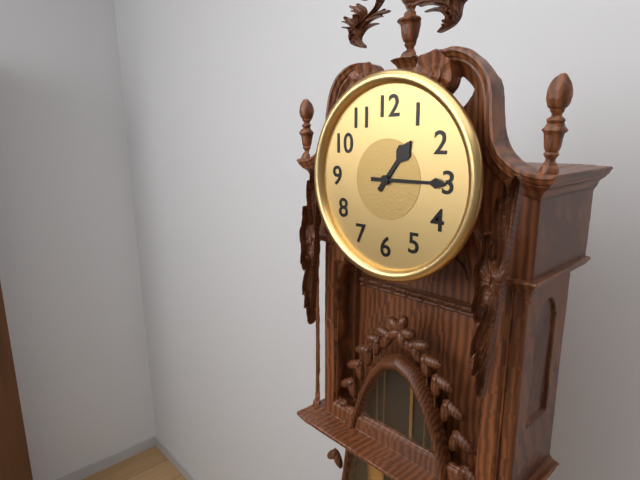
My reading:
**1:15**
